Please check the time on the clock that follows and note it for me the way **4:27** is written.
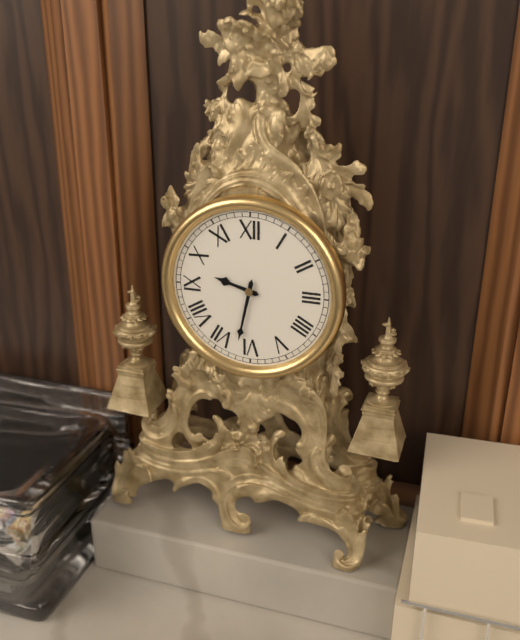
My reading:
**9:32**
